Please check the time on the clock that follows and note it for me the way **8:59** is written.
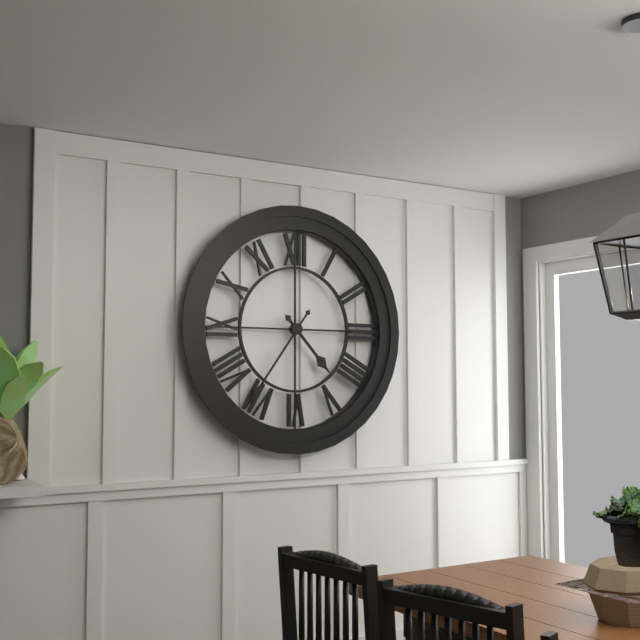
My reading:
**4:36**
